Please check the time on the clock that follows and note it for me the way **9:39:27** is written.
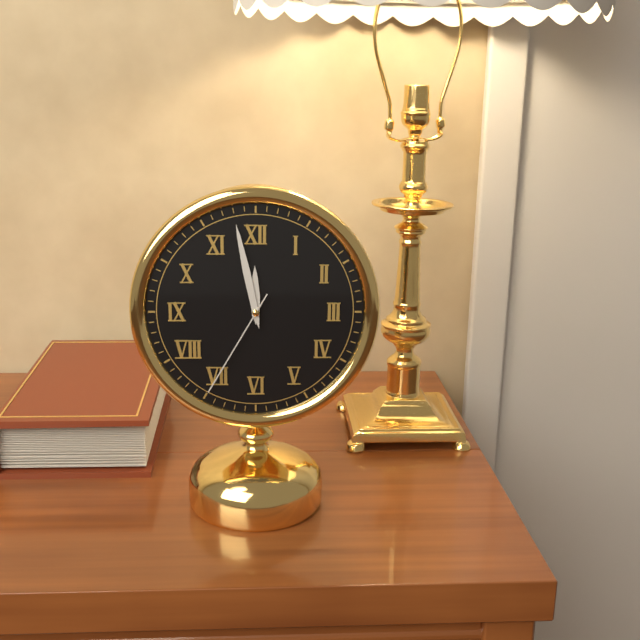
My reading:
**11:58:35**
